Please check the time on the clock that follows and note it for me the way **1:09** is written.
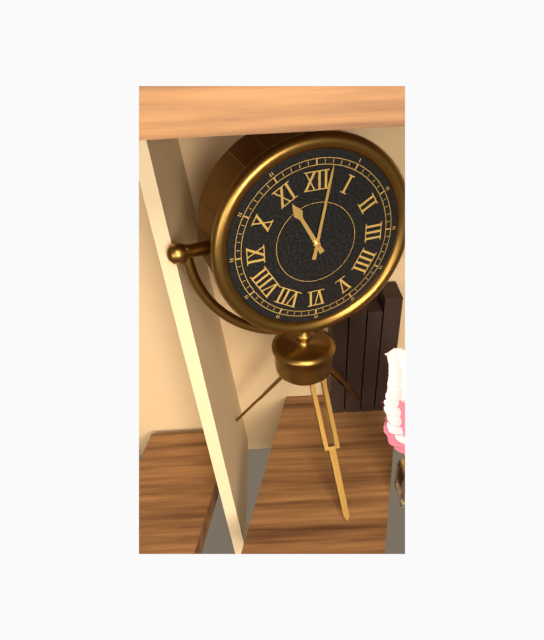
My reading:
**11:02**
